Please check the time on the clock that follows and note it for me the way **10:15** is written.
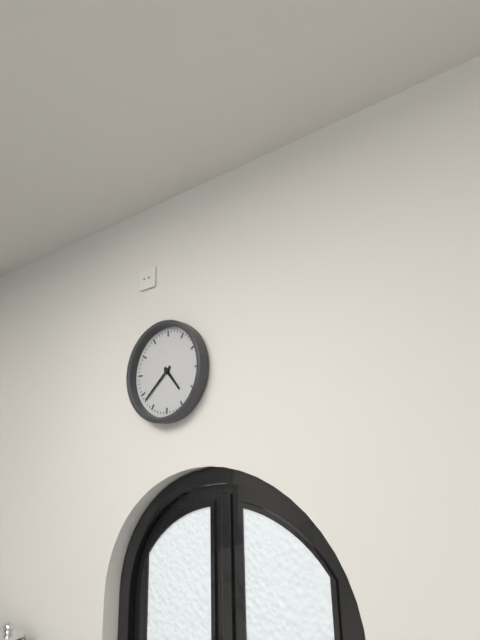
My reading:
**4:38**
